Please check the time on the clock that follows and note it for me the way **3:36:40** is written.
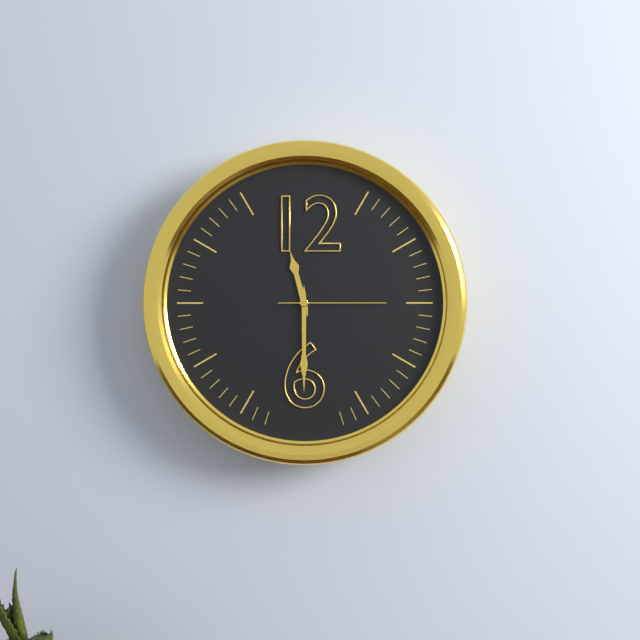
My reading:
**11:30:15**
